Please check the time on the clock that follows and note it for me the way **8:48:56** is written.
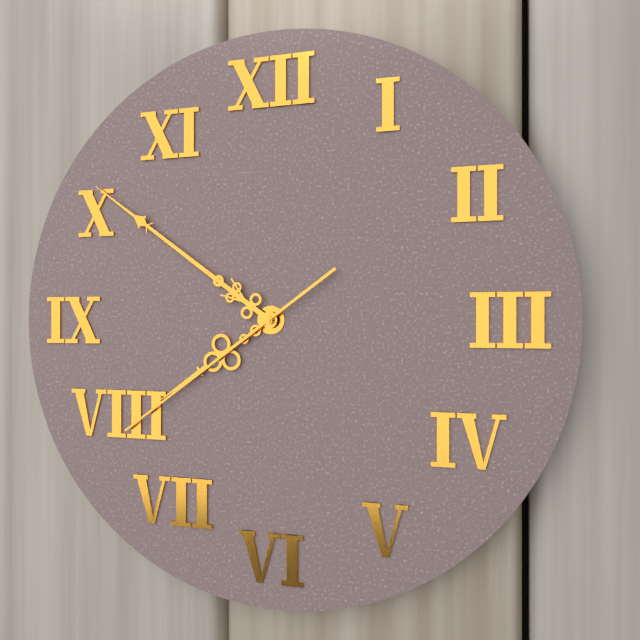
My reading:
**7:51:39**
